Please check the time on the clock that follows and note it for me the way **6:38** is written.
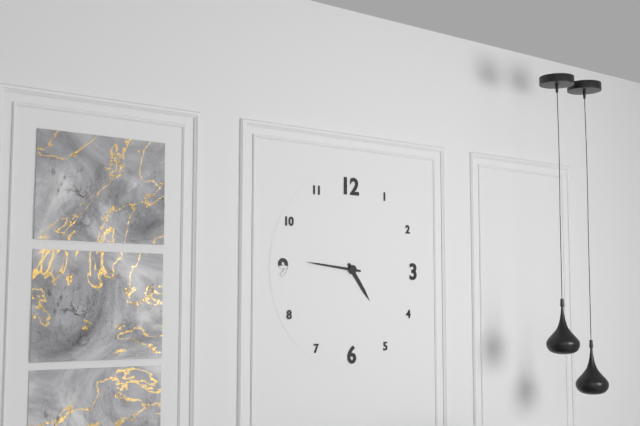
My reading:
**4:46**
